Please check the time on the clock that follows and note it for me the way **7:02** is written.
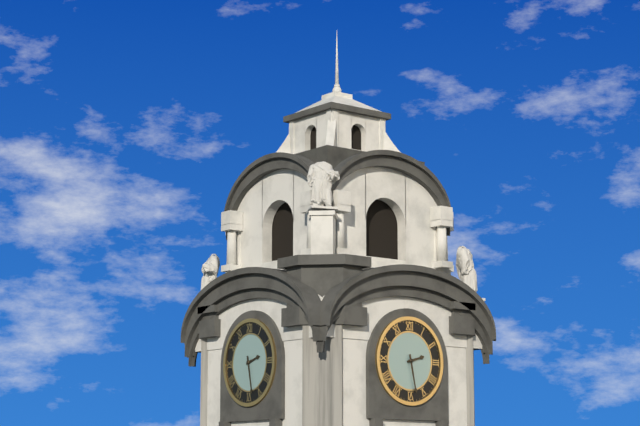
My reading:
**2:28**
